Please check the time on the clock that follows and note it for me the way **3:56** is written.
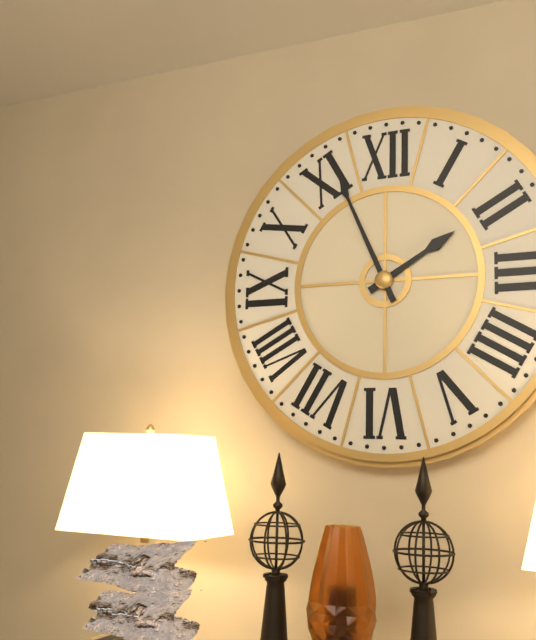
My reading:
**1:56**
